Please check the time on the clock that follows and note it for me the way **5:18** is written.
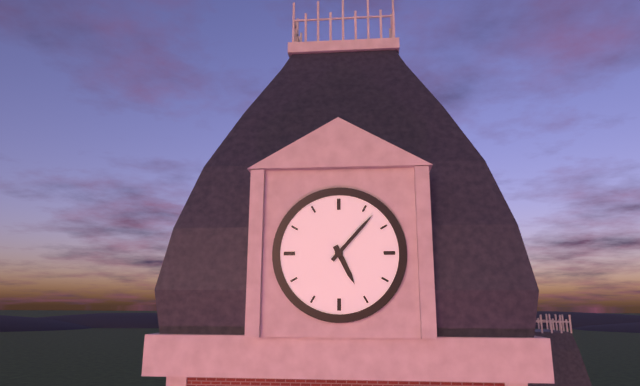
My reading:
**5:07**
